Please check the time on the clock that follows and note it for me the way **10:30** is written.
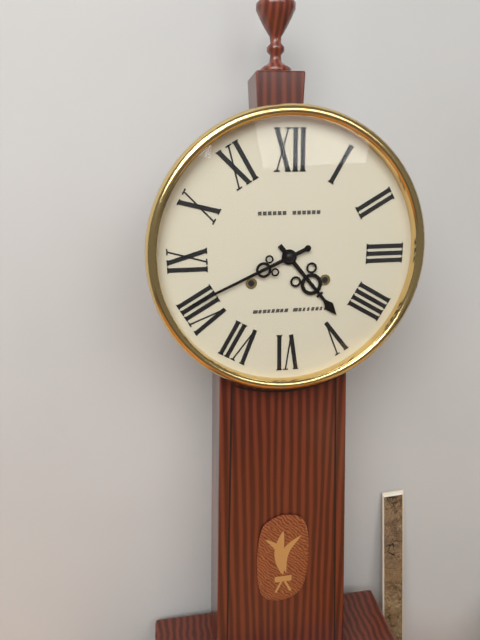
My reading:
**4:41**
